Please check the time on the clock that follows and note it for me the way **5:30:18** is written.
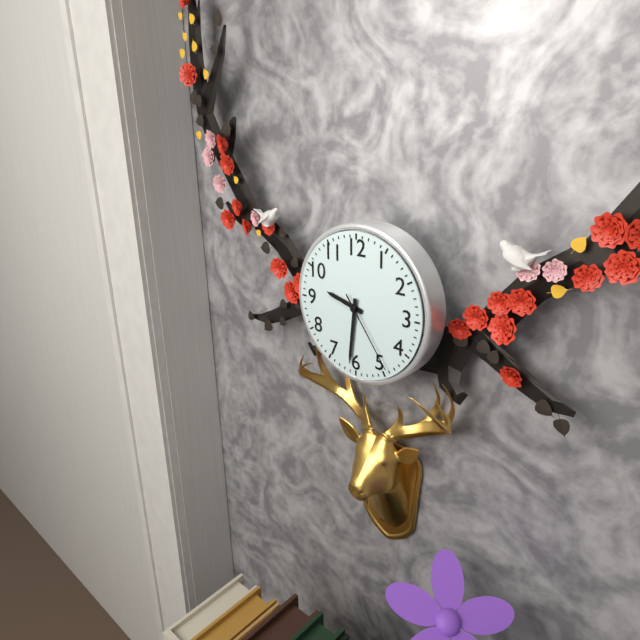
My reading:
**9:31:24**
